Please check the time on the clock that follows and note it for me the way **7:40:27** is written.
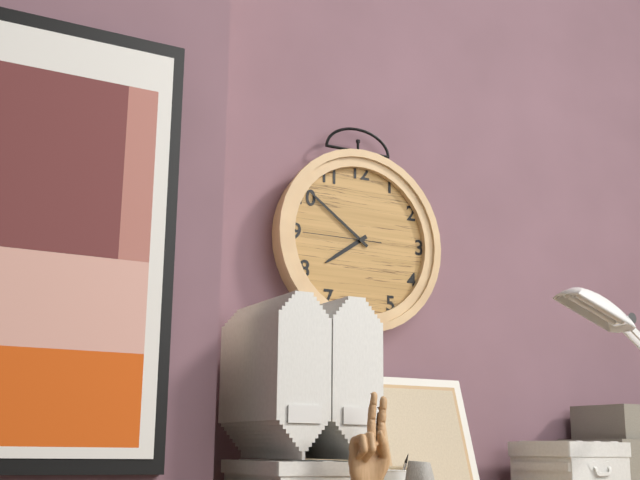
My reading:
**7:51:45**
